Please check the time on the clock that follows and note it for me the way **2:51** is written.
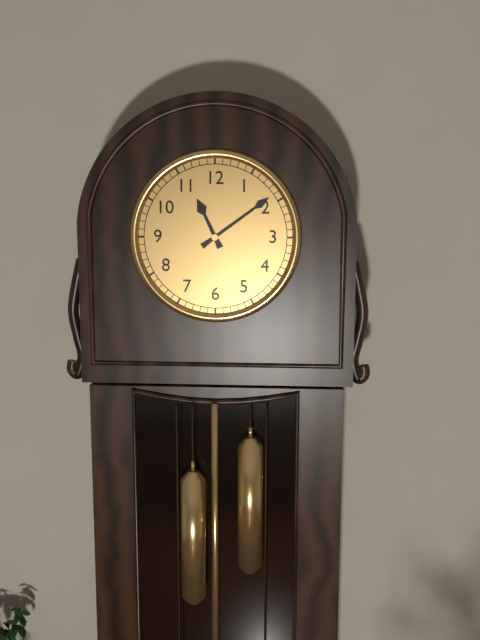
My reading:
**11:09**
